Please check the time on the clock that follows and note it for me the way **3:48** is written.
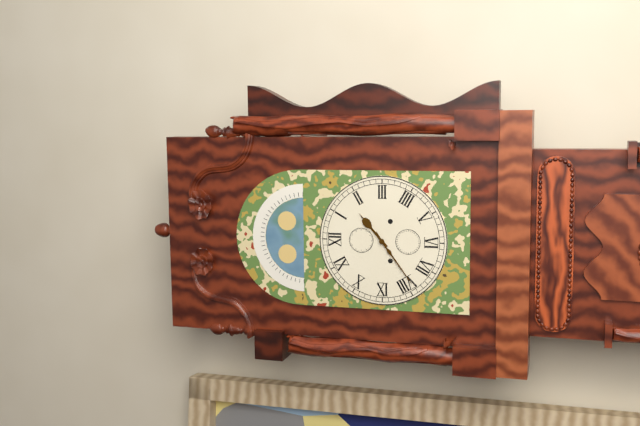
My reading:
**1:39**
